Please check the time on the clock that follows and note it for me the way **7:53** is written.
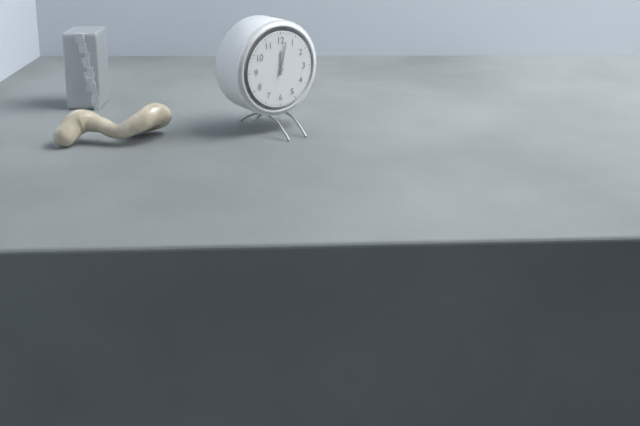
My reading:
**12:02**
